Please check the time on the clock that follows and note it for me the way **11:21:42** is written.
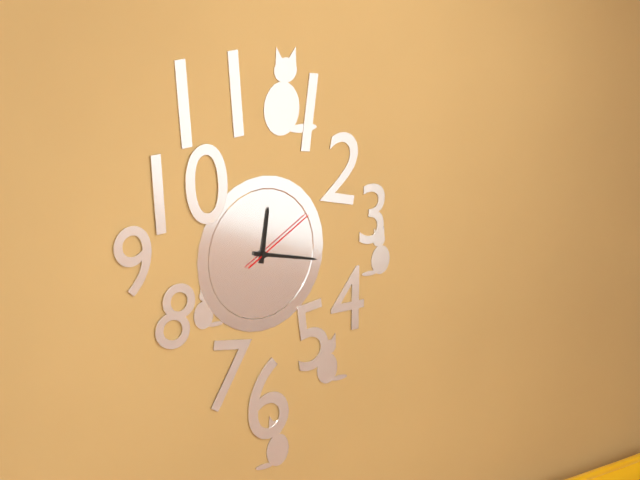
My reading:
**12:17:10**
